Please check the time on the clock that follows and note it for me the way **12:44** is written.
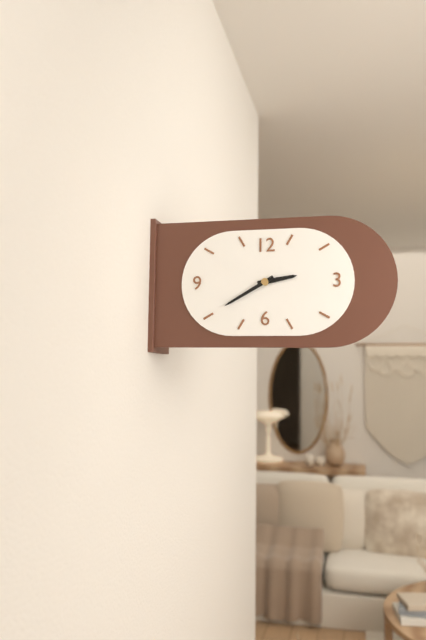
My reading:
**2:40**
